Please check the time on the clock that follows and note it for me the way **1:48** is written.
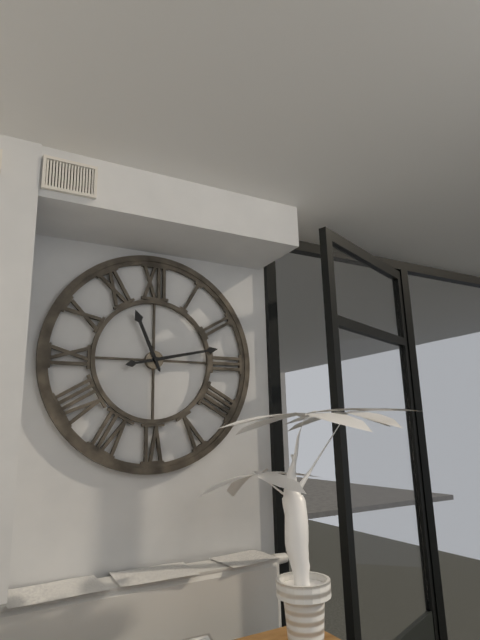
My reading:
**11:13**
